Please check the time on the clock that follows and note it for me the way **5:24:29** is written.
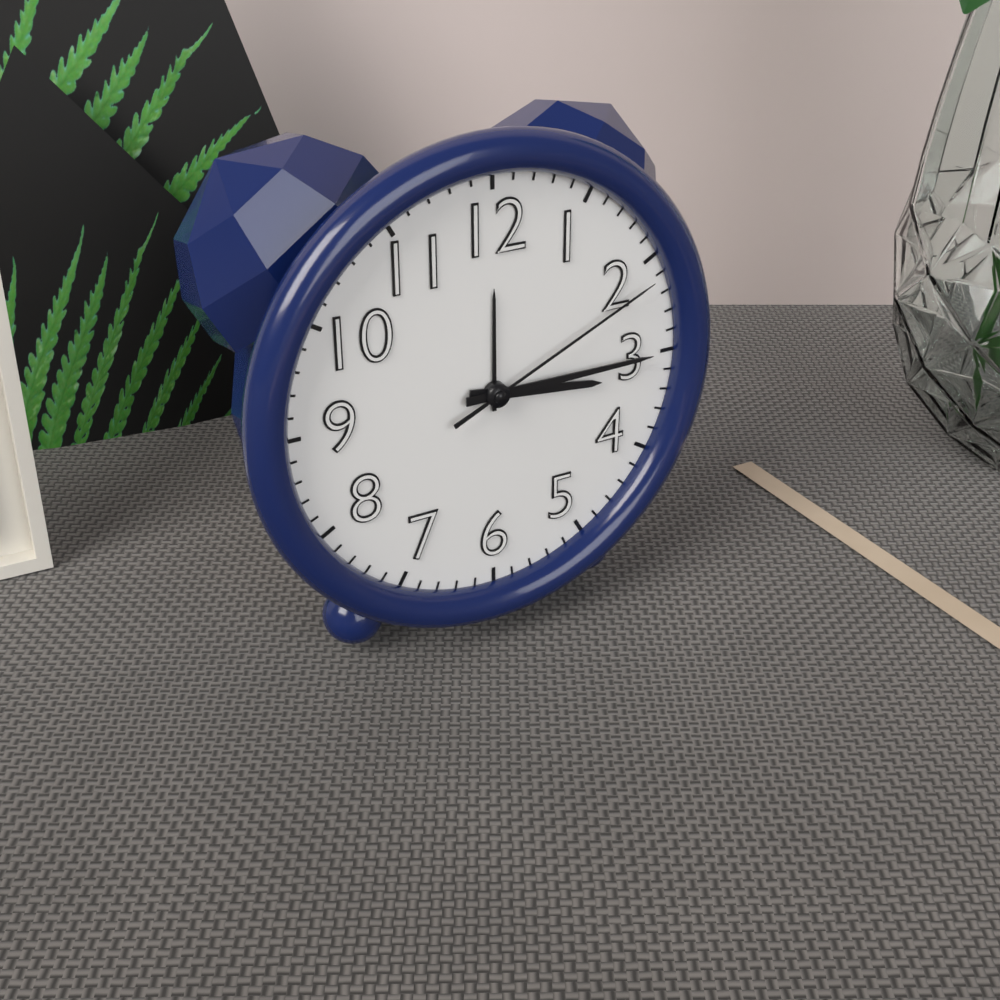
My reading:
**3:15:11**
